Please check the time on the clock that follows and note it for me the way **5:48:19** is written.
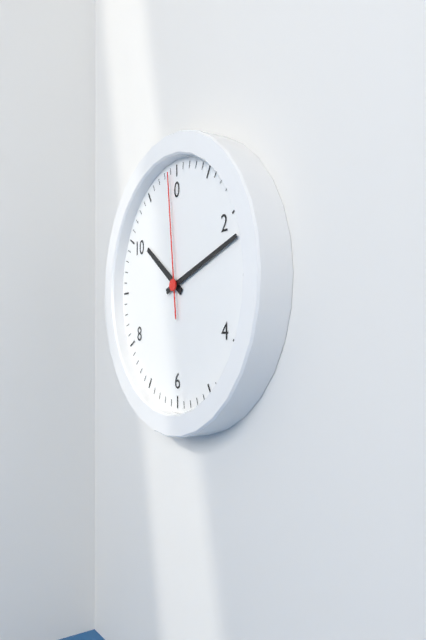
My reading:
**10:12:59**
